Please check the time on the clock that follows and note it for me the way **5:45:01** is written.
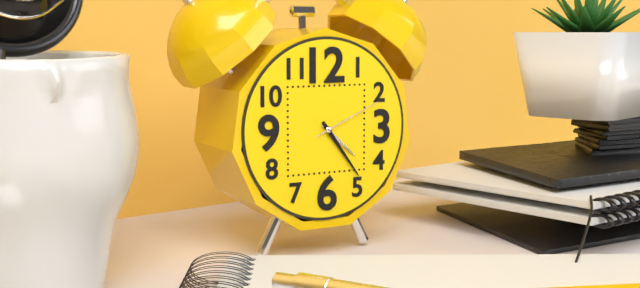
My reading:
**4:24:11**
